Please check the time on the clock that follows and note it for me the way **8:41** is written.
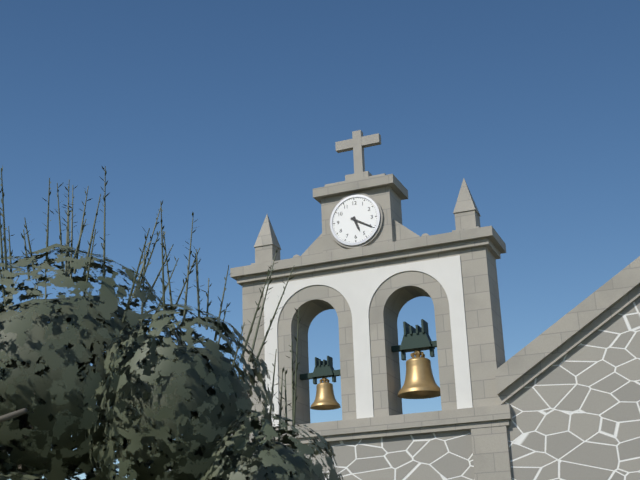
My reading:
**5:20**
